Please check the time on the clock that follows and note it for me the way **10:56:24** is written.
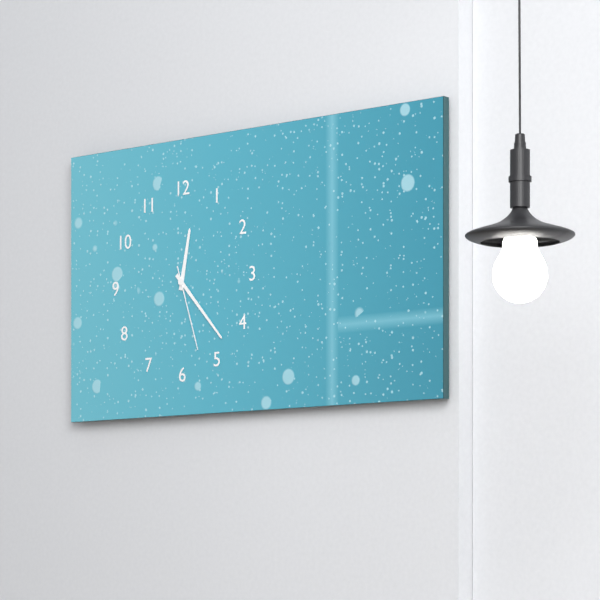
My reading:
**12:23:27**
